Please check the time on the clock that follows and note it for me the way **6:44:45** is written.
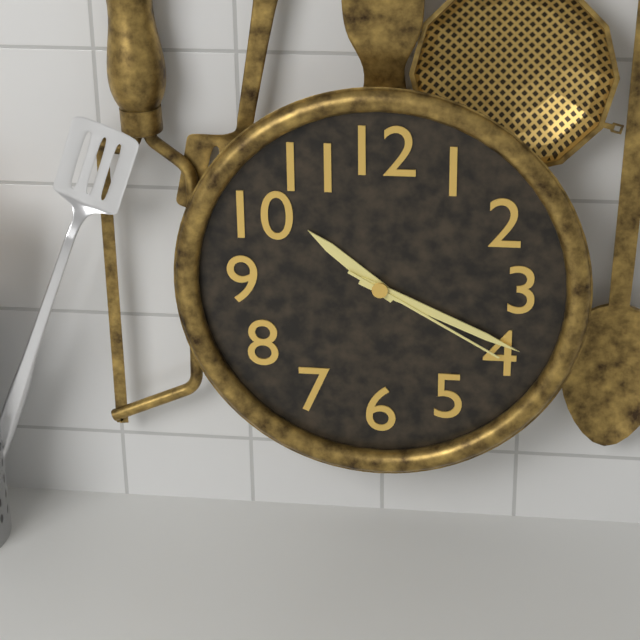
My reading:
**10:19:20**
